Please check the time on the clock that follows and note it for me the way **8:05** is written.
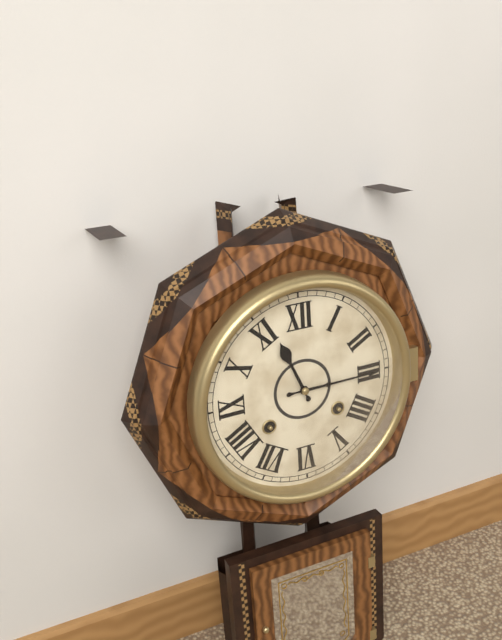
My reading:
**11:15**
